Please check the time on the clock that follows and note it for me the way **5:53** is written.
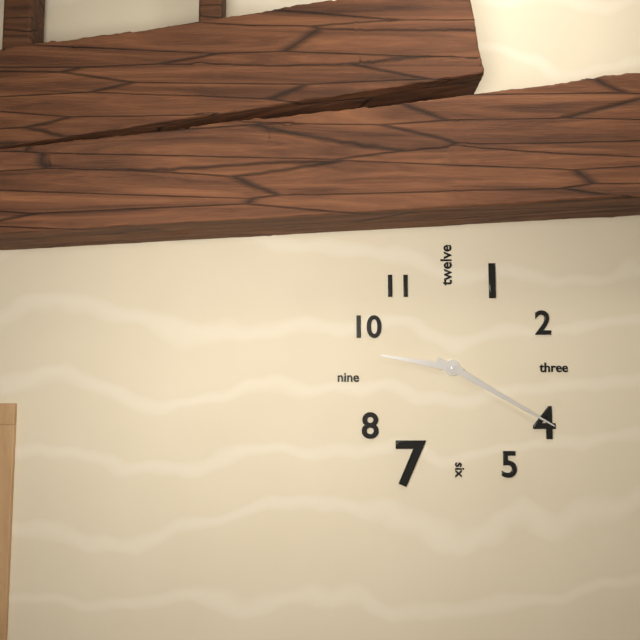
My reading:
**9:20**
